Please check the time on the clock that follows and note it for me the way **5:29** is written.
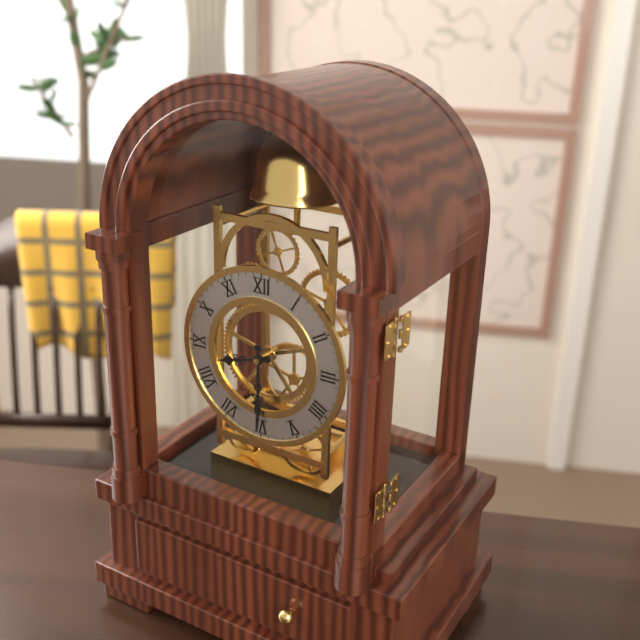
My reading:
**8:30**
